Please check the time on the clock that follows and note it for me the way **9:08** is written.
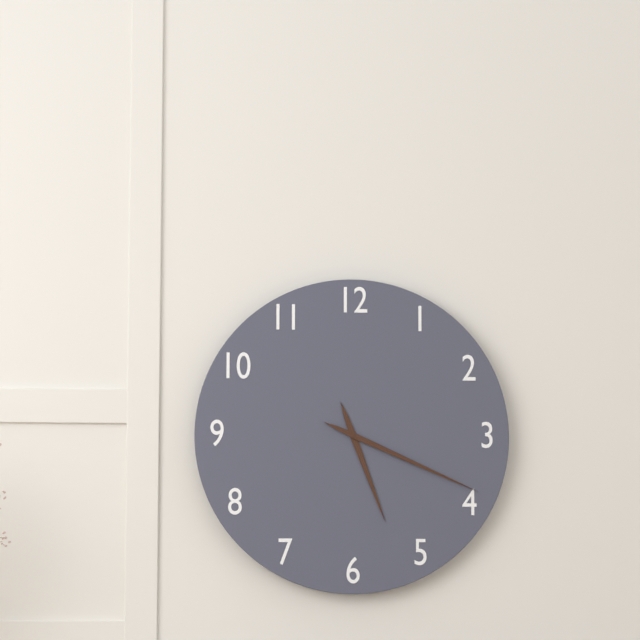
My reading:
**5:19**
